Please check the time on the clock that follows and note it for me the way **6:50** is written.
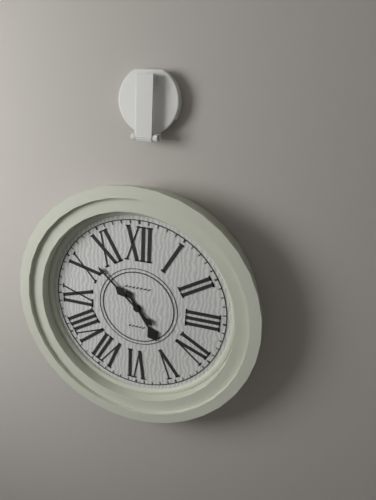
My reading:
**4:52**
